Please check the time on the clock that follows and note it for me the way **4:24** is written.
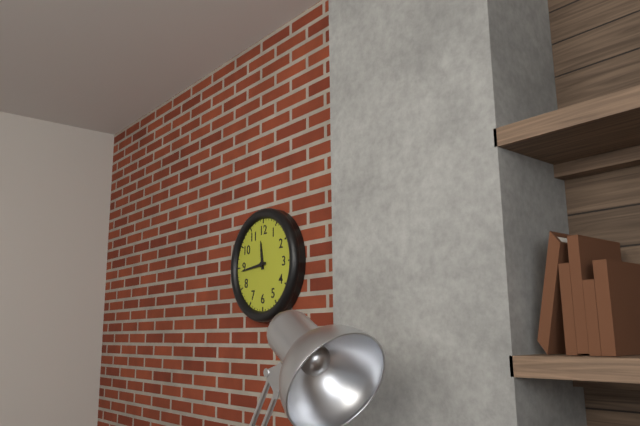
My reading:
**11:44**
